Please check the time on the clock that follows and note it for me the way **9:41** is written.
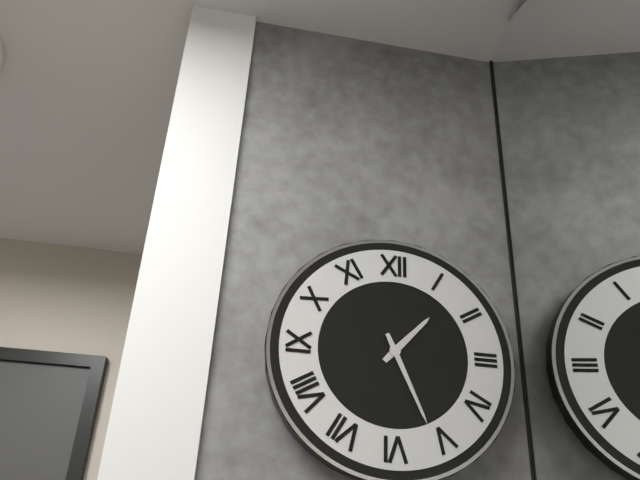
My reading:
**1:26**
